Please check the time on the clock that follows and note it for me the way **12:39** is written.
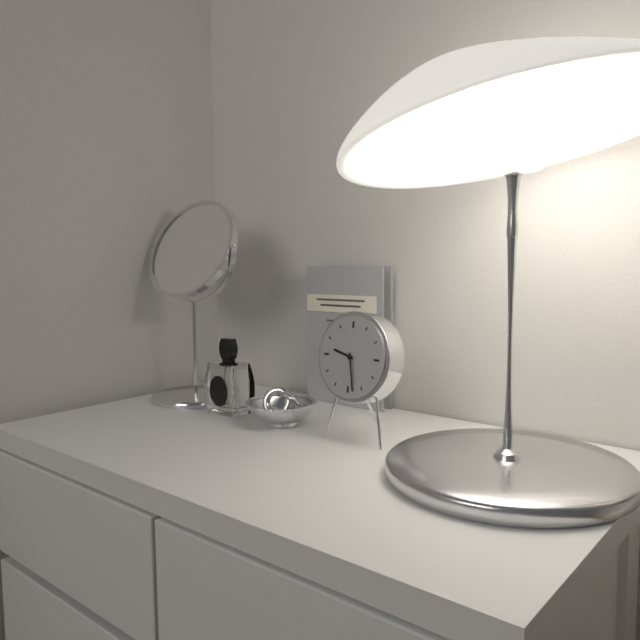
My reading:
**9:28**
